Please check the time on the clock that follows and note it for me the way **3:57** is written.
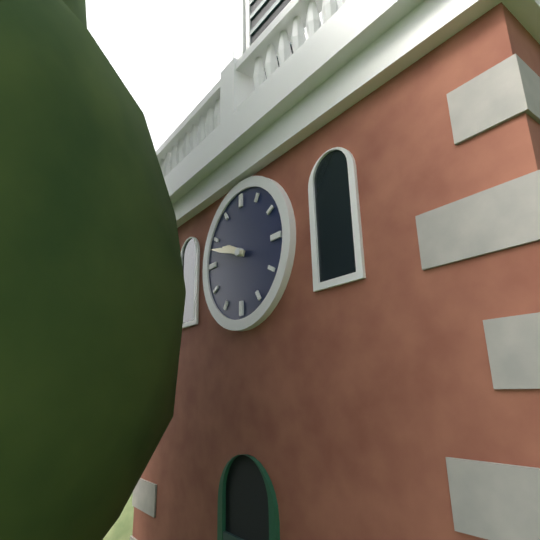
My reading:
**9:48**
